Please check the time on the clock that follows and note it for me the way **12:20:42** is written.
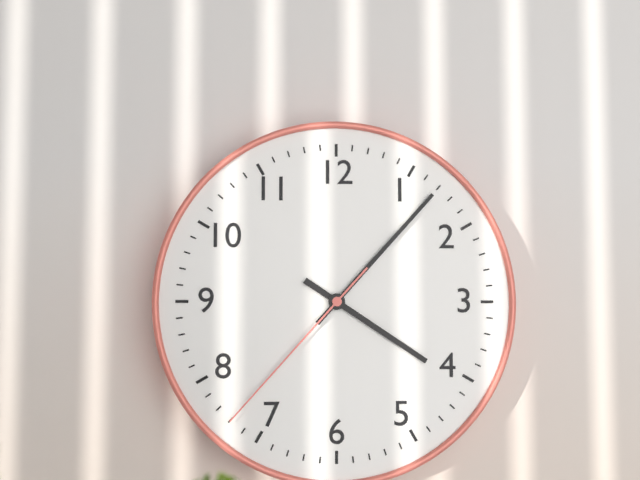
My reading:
**4:07:37**
